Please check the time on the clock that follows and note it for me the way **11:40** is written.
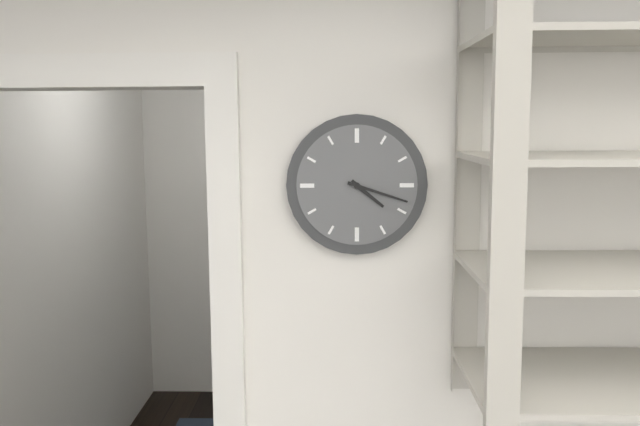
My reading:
**4:18**
